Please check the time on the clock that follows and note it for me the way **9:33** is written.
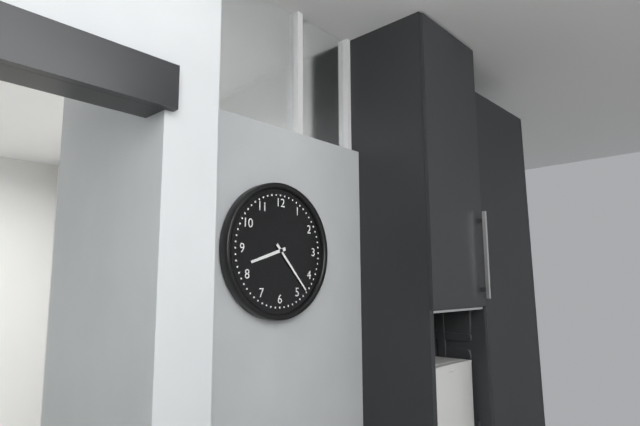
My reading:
**8:23**
